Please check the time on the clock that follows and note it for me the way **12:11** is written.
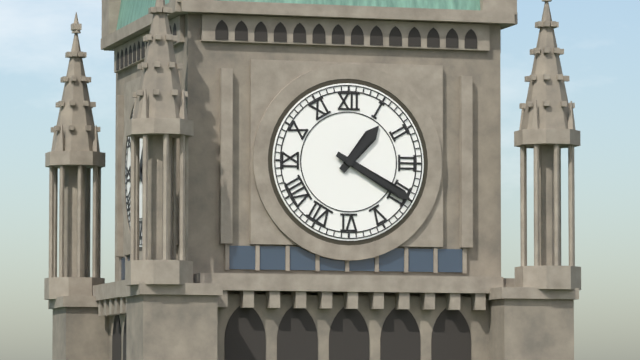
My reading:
**1:20**
